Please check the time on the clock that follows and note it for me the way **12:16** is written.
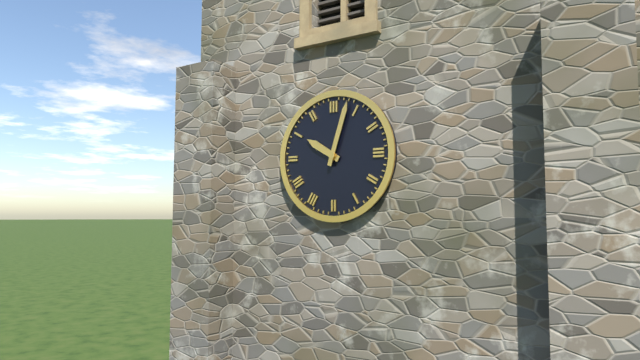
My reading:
**10:03**
